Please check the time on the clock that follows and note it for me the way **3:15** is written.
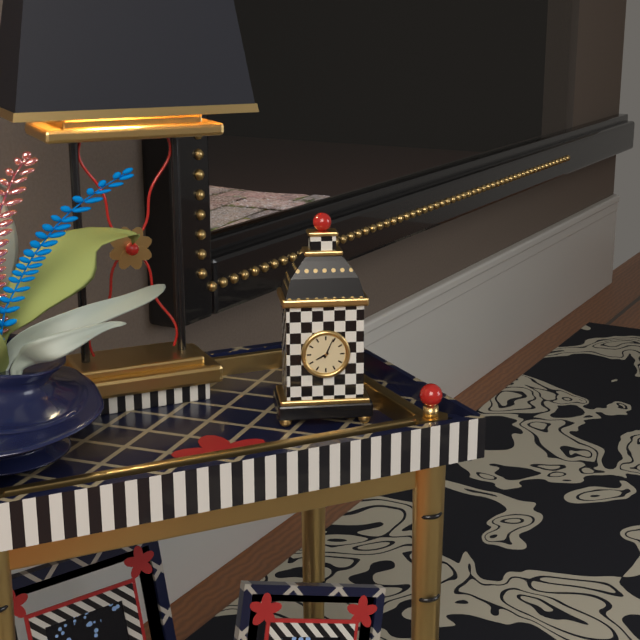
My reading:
**8:04**
